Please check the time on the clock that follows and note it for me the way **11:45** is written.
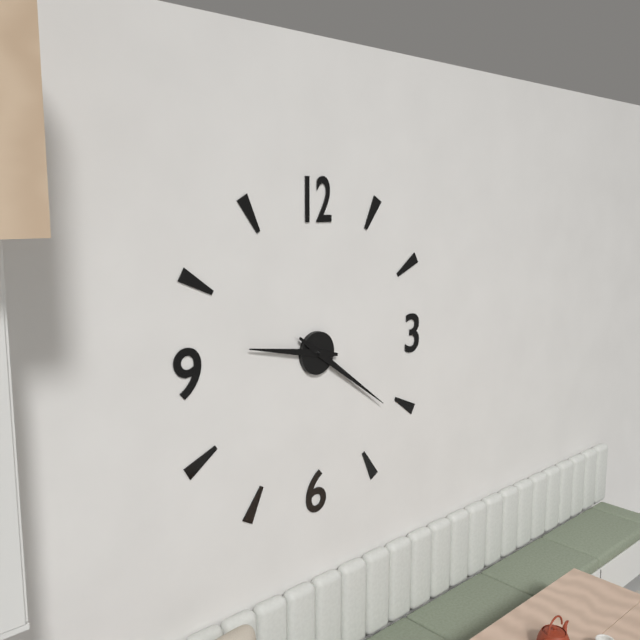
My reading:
**9:21**
